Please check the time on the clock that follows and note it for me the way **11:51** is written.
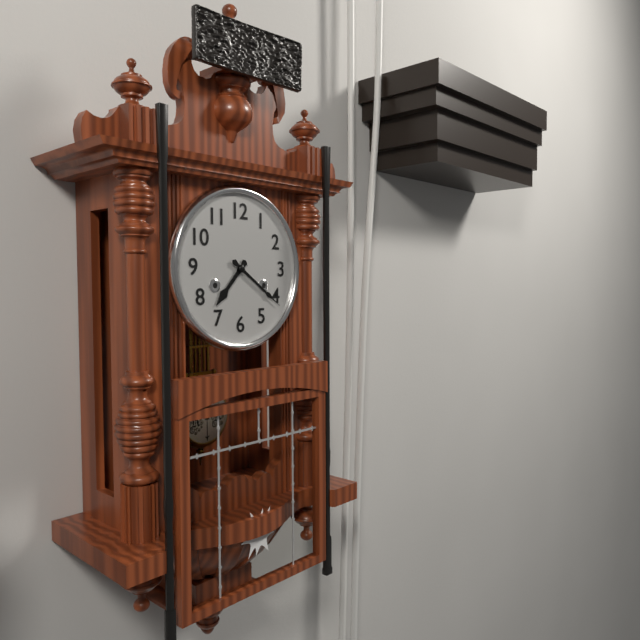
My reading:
**7:21**
